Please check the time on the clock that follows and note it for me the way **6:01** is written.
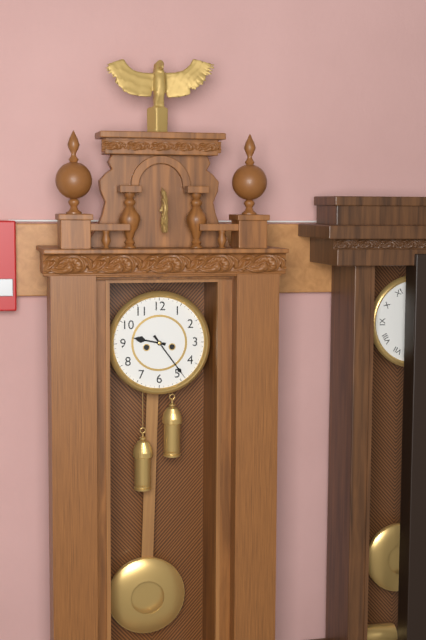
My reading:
**9:24**
